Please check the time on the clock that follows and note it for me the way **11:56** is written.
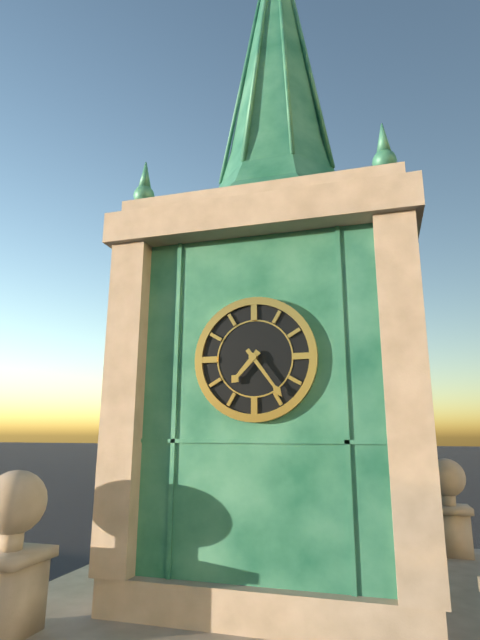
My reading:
**7:24**
